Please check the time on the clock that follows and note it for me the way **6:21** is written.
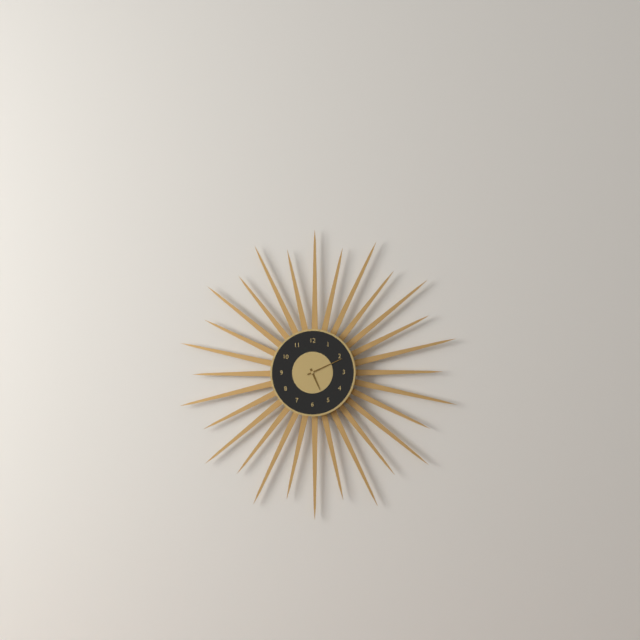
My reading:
**5:11**
